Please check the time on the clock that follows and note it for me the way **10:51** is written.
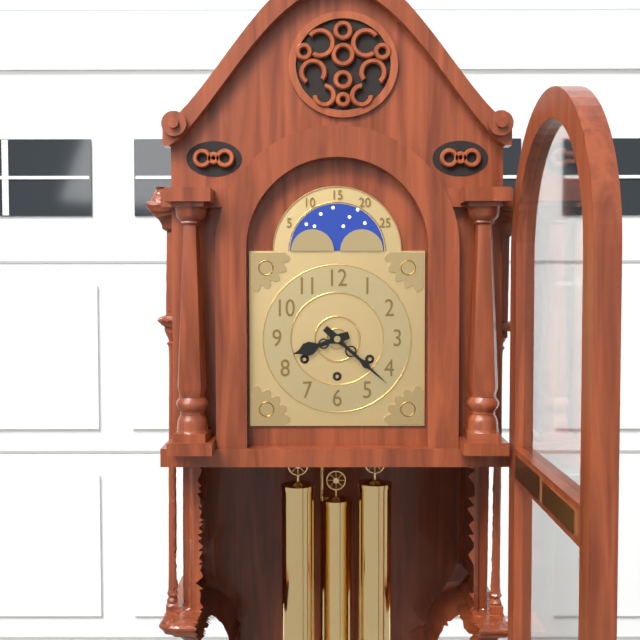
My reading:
**8:22**
